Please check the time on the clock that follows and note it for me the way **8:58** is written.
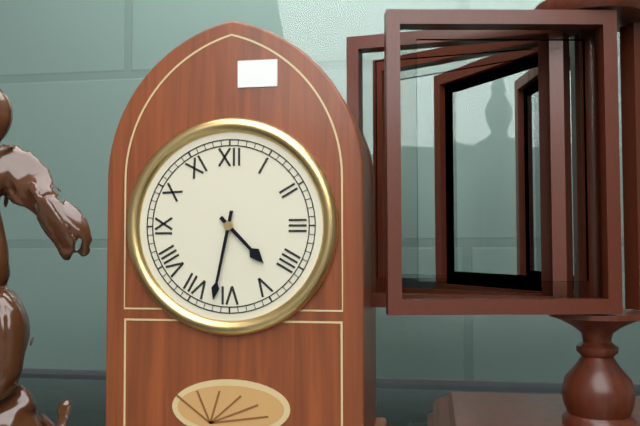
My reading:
**4:32**
